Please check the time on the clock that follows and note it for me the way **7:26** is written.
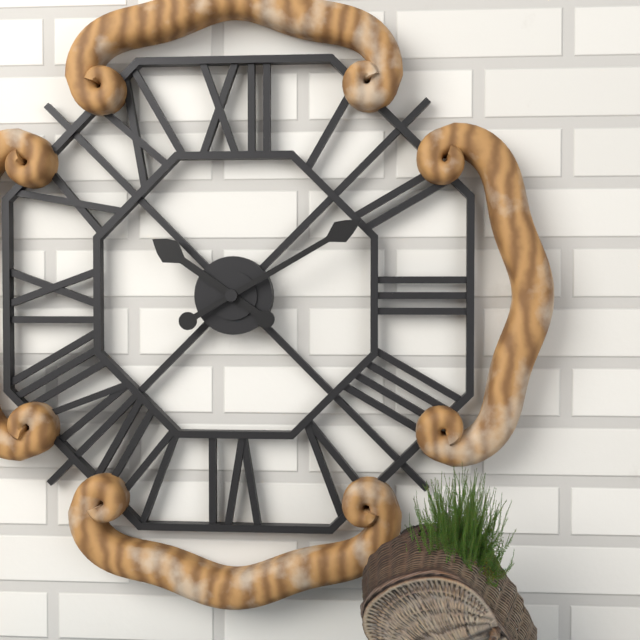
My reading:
**10:10**
